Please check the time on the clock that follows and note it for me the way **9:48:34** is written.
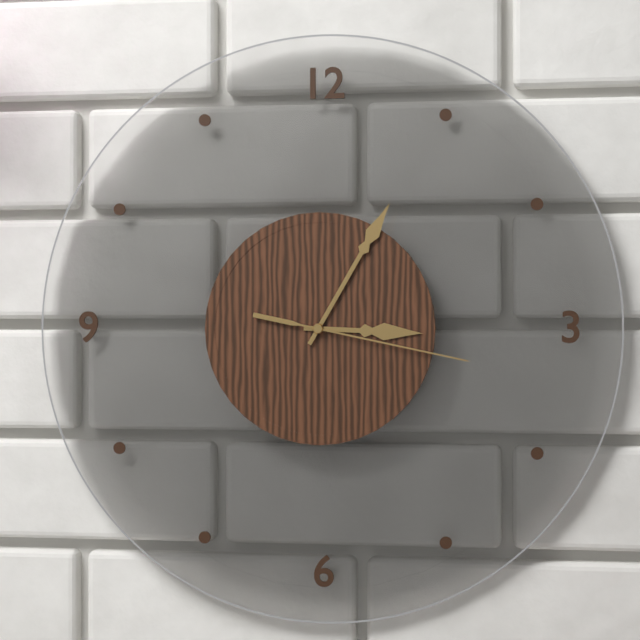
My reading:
**3:05:17**
